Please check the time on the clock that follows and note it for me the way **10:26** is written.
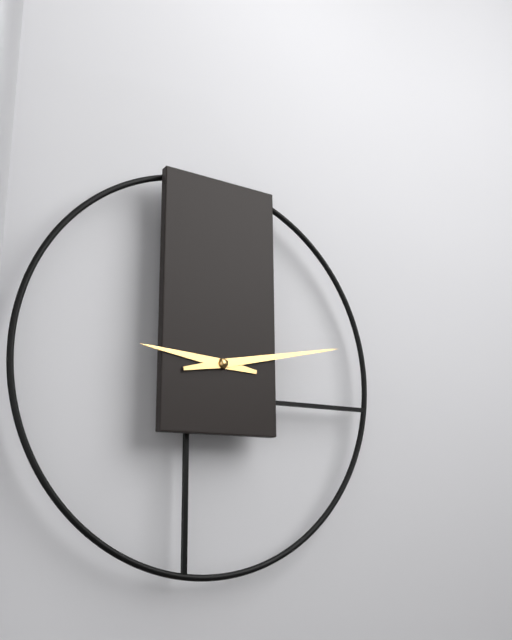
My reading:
**9:13**
